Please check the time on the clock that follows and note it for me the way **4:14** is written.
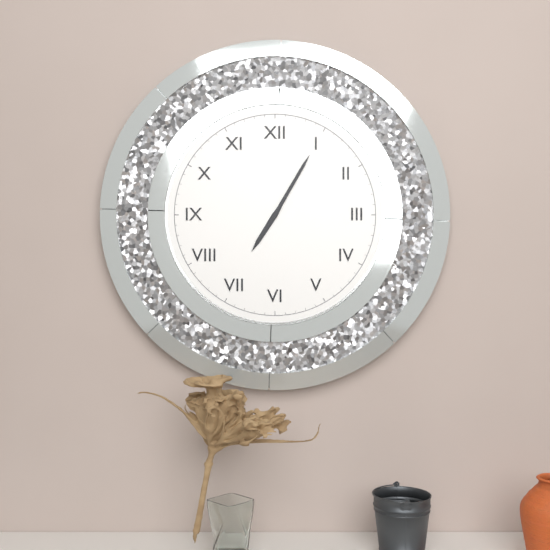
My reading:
**7:05**
